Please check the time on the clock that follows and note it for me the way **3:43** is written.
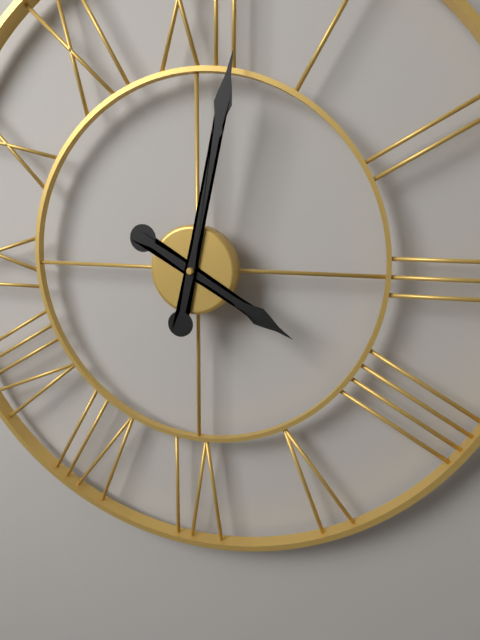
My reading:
**4:02**
